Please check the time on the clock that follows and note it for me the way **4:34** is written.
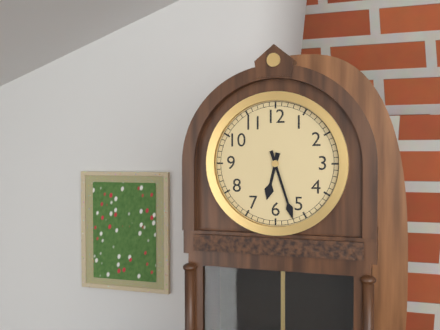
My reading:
**6:27**
